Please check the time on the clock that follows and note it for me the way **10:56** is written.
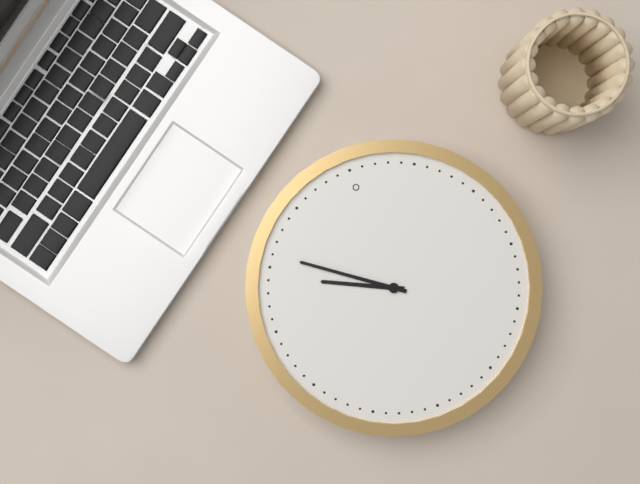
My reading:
**9:51**
